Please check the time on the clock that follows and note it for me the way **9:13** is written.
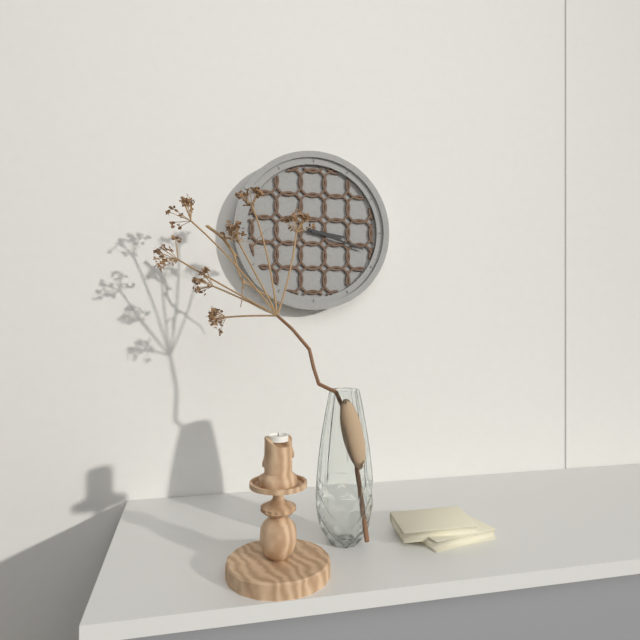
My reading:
**3:18**
